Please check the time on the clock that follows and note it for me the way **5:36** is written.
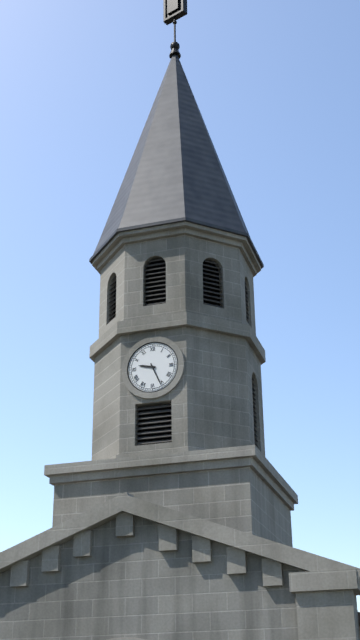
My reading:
**9:26**
